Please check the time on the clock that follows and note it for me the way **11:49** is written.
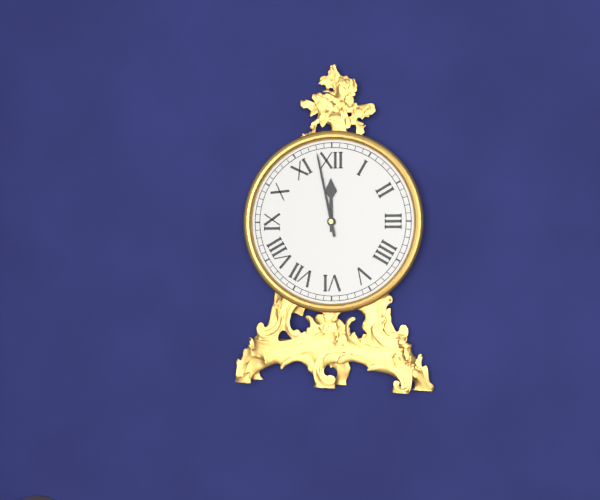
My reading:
**11:58**
